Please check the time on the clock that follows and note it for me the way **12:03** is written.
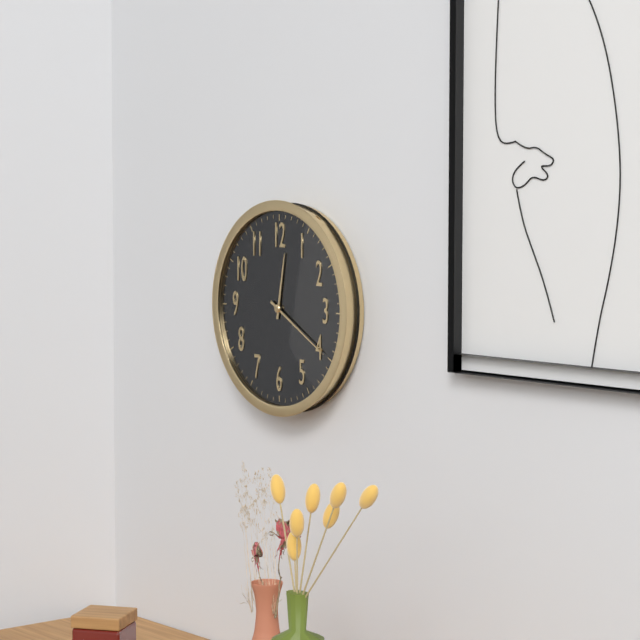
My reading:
**12:20**
